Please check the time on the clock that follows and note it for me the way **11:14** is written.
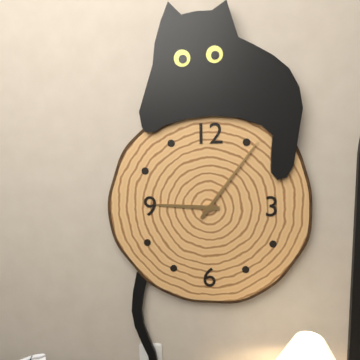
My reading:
**9:06**
